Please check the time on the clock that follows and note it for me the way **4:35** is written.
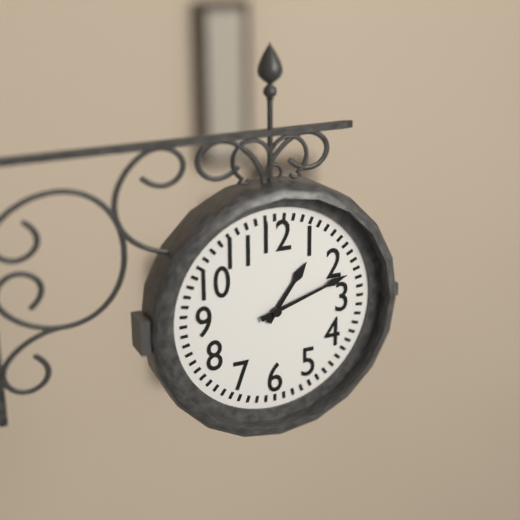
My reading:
**1:12**
